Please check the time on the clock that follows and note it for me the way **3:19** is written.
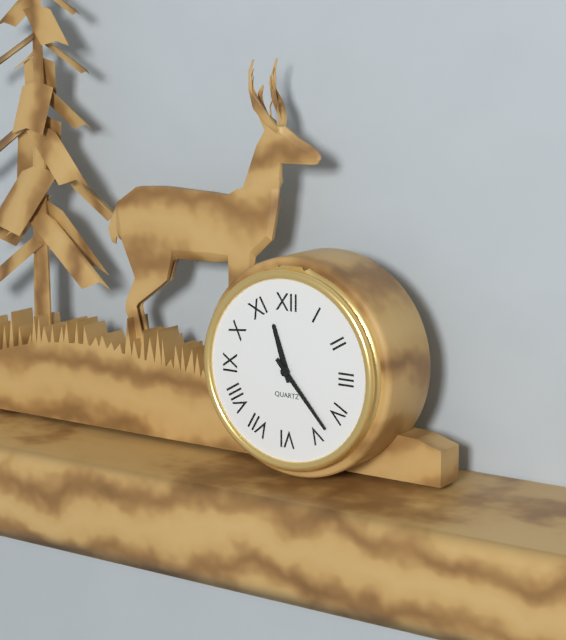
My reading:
**11:23**
